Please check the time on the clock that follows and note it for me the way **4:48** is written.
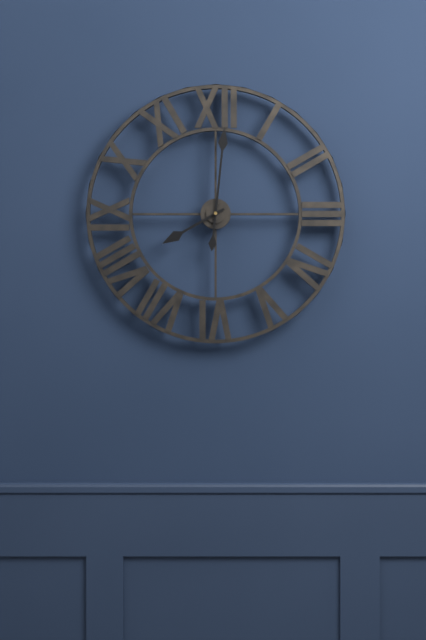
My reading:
**8:01**
